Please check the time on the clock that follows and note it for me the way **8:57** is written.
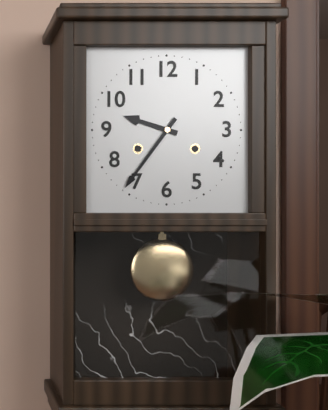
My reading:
**9:36**
